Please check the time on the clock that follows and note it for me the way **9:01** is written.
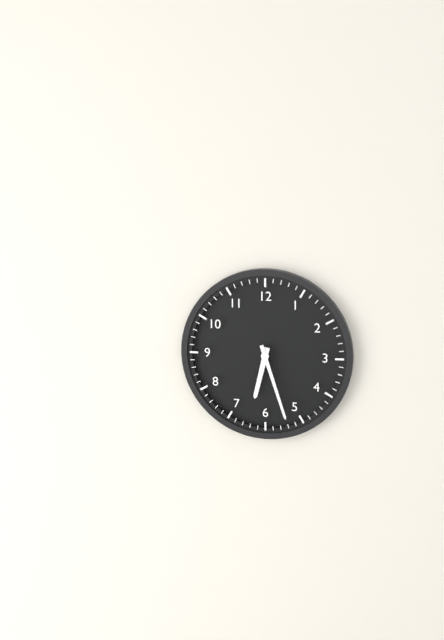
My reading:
**6:27**
